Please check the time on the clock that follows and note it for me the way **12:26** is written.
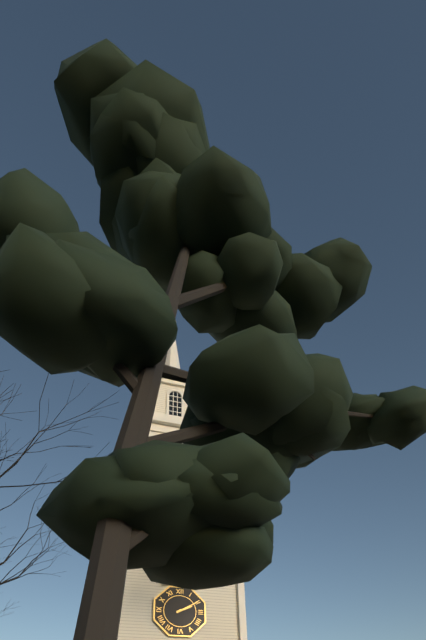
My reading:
**2:10**
